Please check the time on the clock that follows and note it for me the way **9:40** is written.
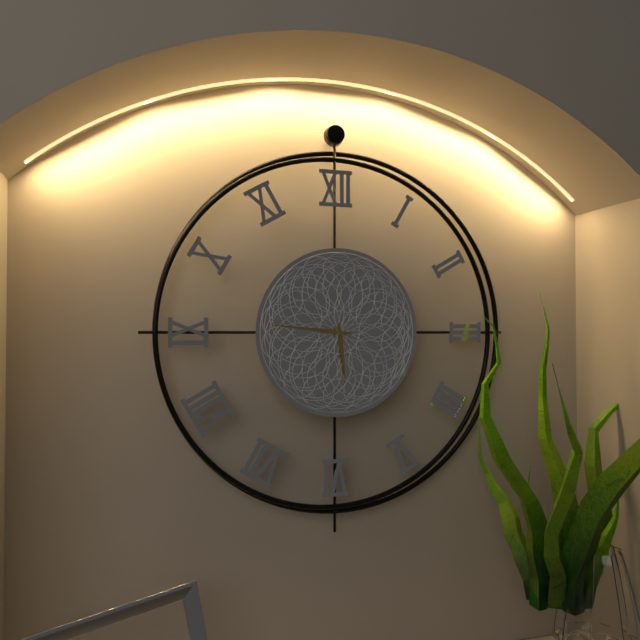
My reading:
**5:46**
